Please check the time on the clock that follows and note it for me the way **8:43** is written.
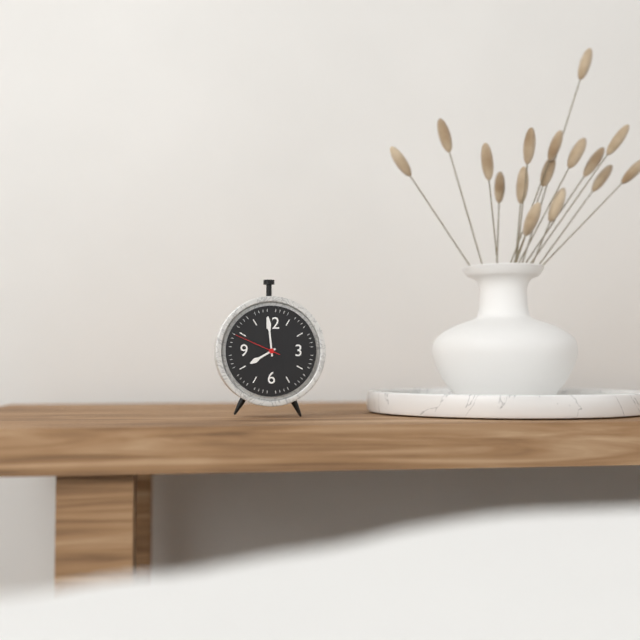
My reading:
**7:59**
